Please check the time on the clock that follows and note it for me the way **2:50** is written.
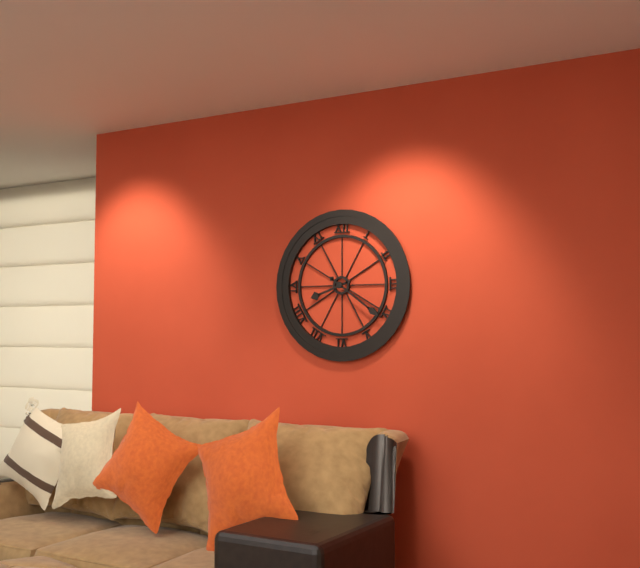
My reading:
**8:21**
